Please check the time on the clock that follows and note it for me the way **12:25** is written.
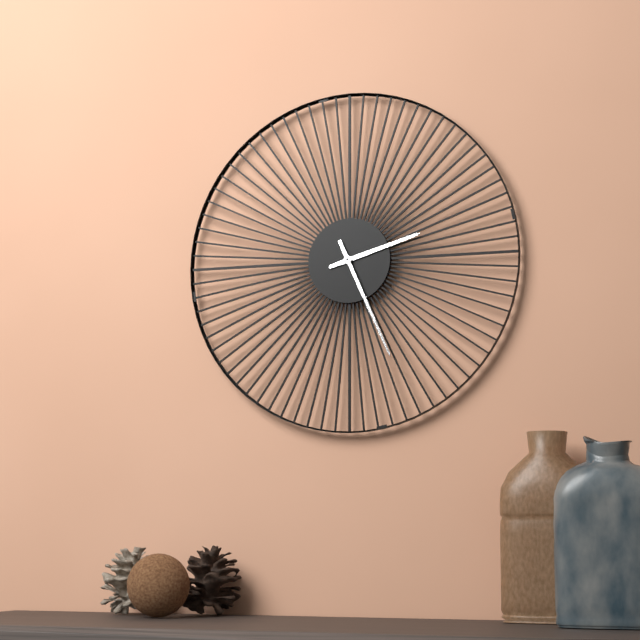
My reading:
**2:26**
